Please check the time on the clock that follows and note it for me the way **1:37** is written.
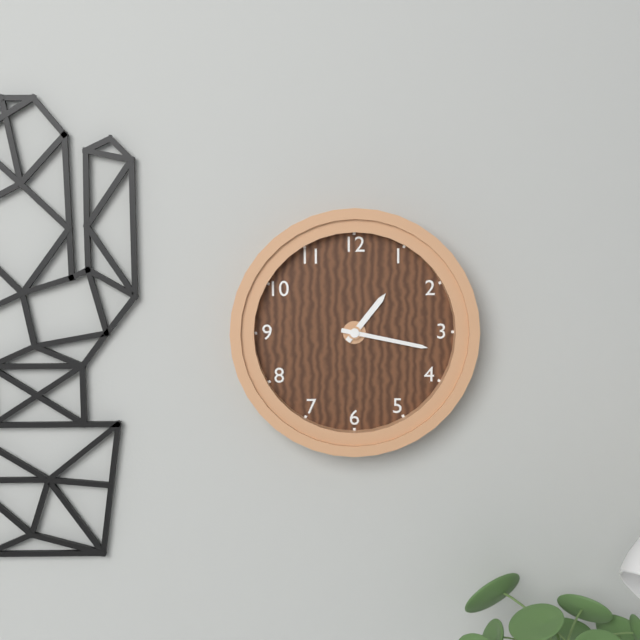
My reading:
**1:17**
